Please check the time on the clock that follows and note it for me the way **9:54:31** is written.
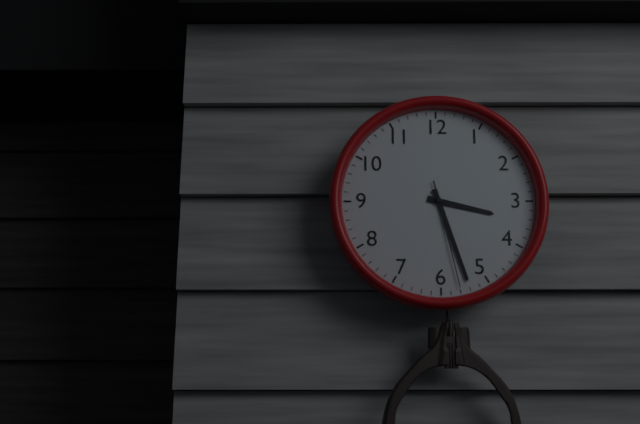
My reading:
**3:27:28**
